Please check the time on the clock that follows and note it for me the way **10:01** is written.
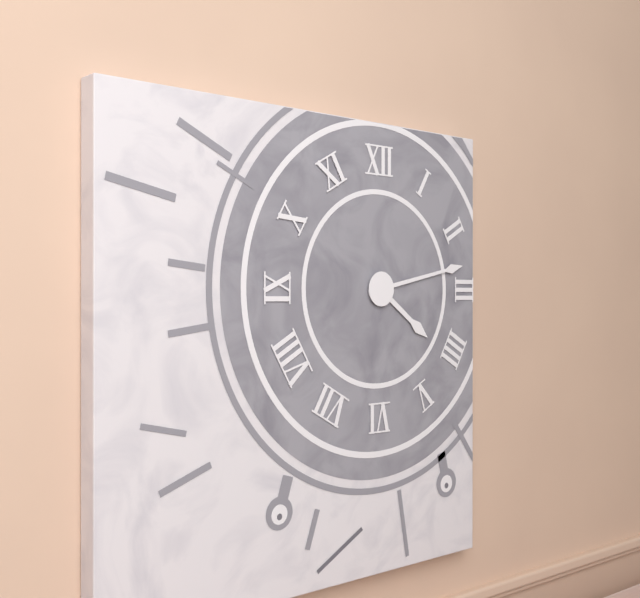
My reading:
**4:13**
